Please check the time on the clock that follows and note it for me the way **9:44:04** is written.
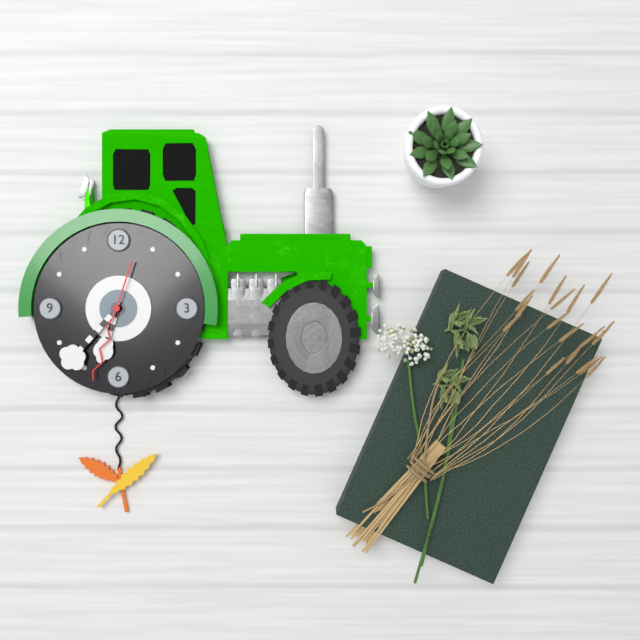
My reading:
**6:37:33**
